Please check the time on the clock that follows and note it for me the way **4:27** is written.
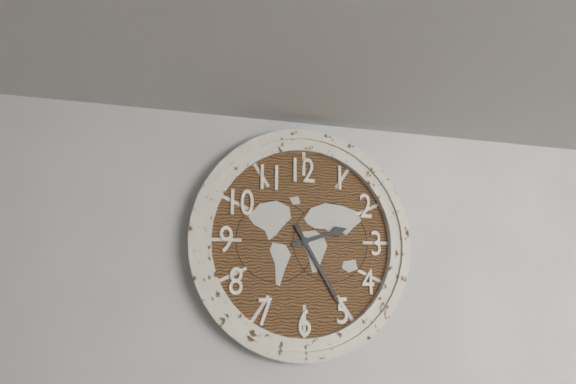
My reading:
**2:25**
